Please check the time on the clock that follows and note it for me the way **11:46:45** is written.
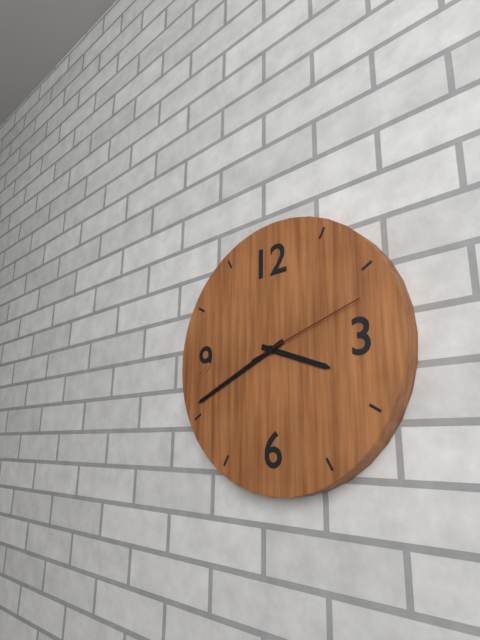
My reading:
**3:41:12**
